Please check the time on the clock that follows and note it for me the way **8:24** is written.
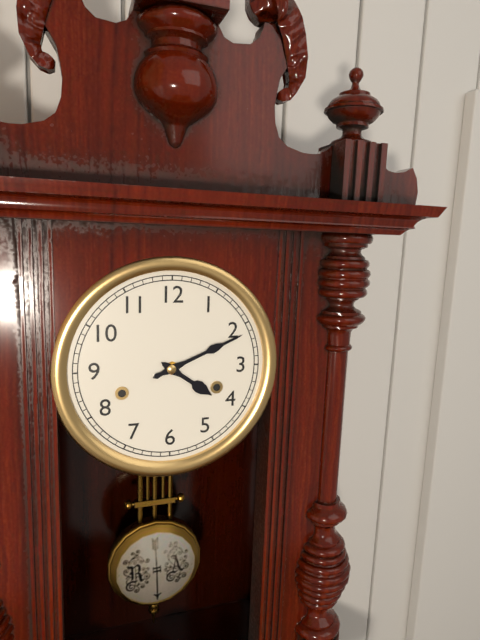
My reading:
**4:11**
